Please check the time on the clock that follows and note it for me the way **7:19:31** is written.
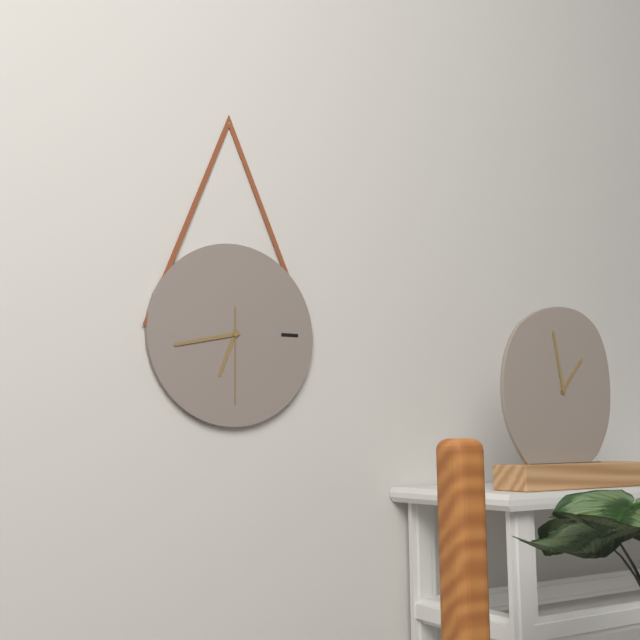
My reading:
**6:43:30**
